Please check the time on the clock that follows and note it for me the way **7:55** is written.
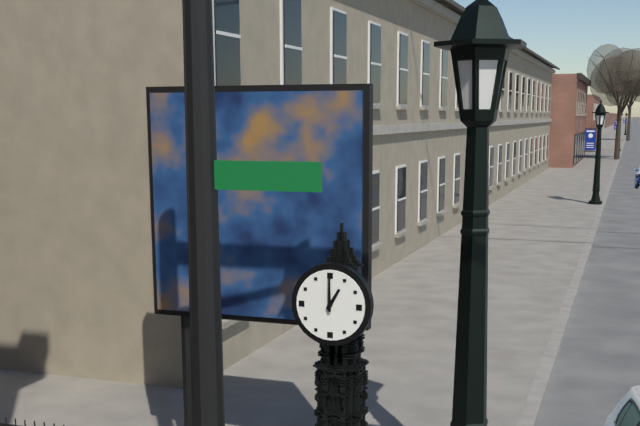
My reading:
**1:00**
